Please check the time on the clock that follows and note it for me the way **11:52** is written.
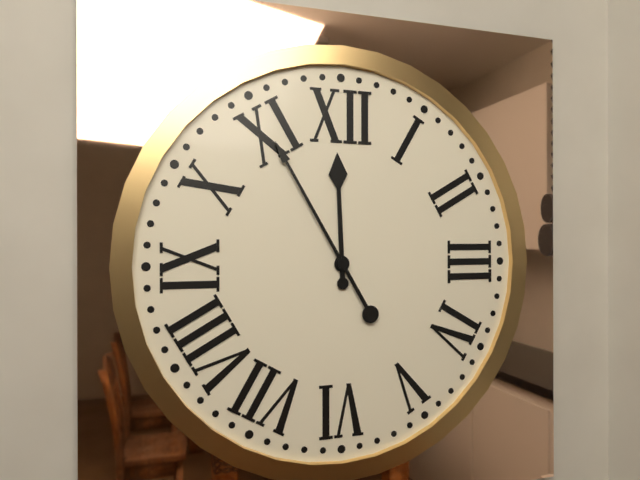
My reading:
**11:55**
